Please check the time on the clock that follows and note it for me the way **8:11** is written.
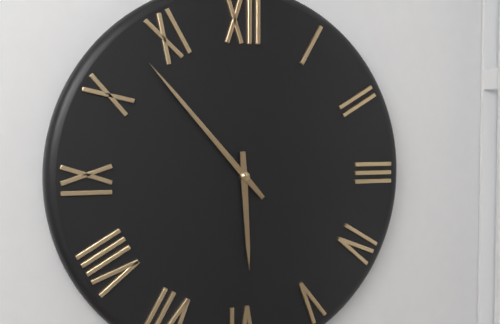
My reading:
**5:53**
